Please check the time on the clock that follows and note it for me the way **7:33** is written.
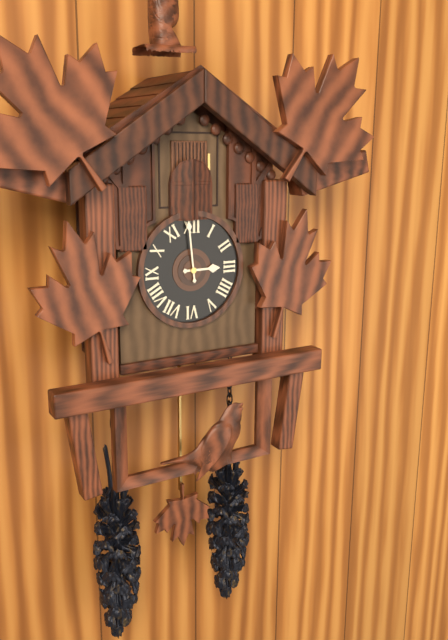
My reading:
**2:59**
